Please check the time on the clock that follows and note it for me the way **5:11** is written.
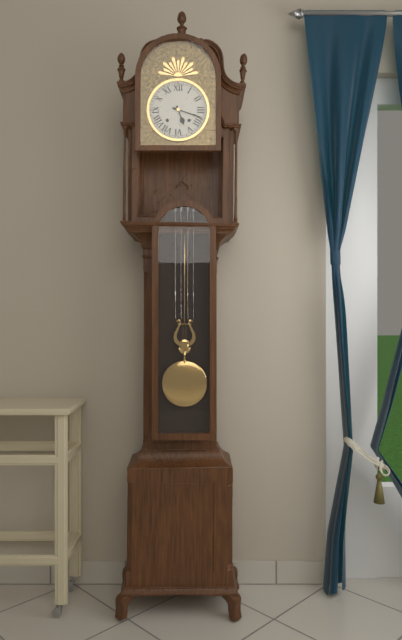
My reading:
**5:18**
